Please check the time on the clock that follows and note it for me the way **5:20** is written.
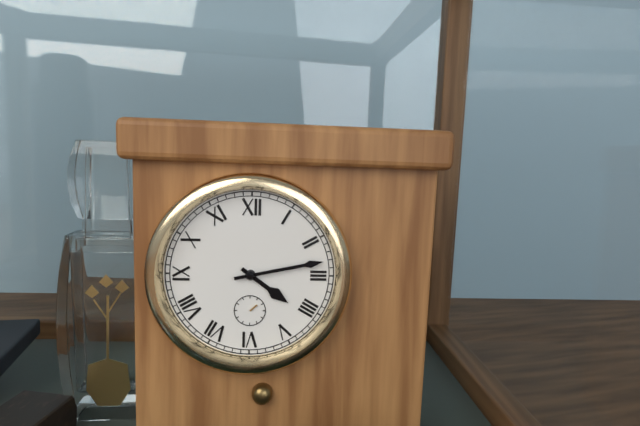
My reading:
**4:13**
